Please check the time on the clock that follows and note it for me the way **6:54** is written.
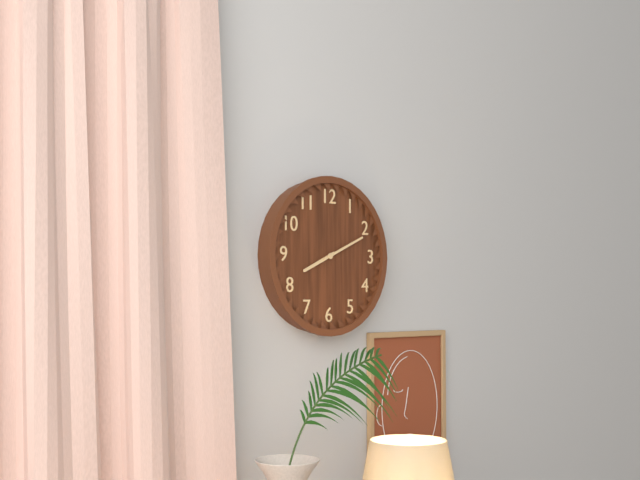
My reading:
**8:11**
